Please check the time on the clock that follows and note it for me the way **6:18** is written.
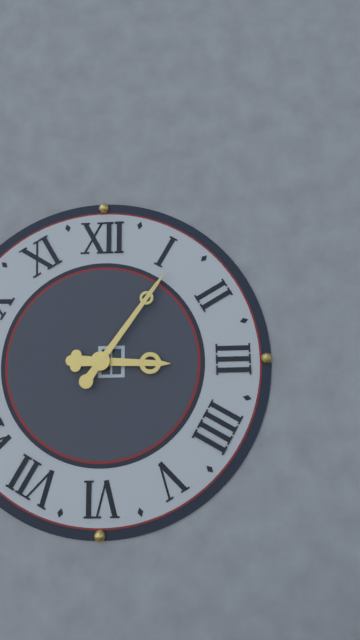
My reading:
**3:06**
